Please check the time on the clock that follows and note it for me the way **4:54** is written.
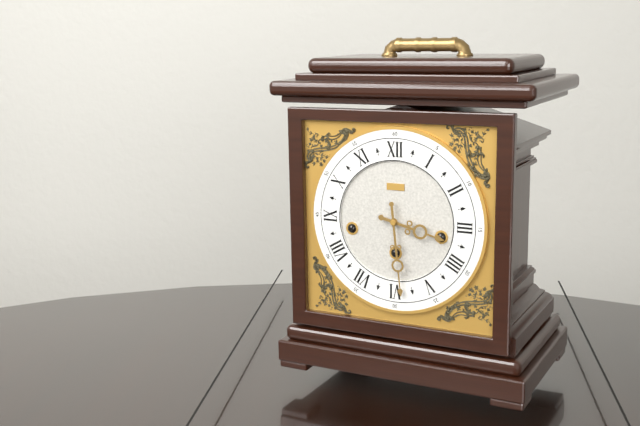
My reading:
**3:29**
